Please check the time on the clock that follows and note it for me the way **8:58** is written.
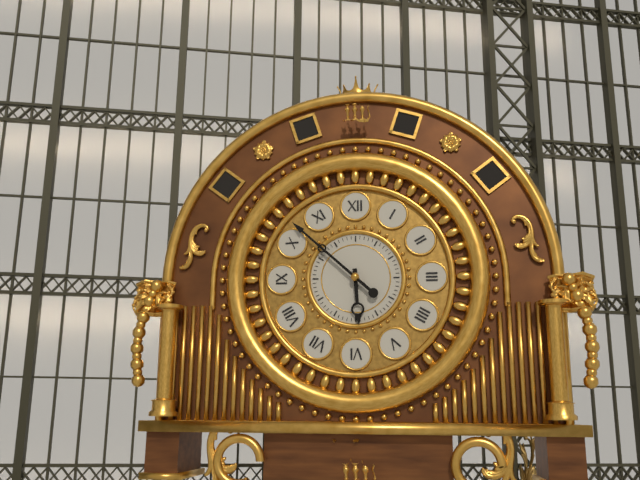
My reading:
**5:52**
